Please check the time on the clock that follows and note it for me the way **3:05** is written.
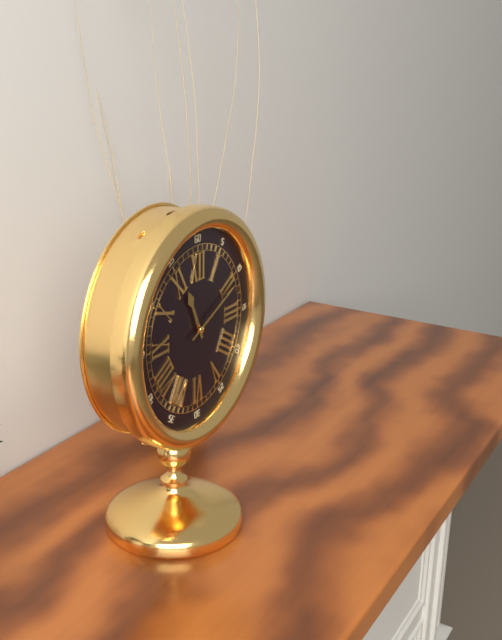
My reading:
**11:11**
